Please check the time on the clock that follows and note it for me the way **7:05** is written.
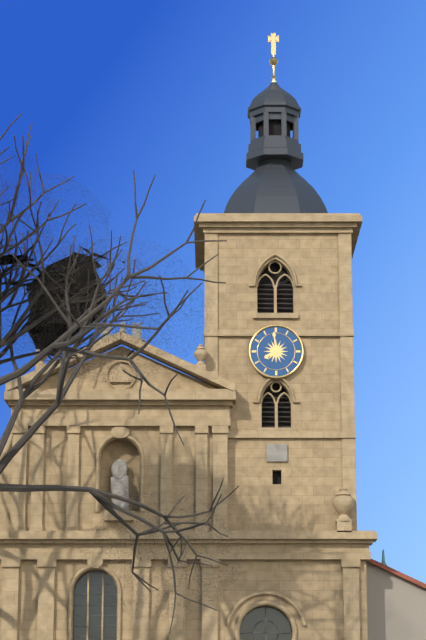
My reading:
**7:59**
